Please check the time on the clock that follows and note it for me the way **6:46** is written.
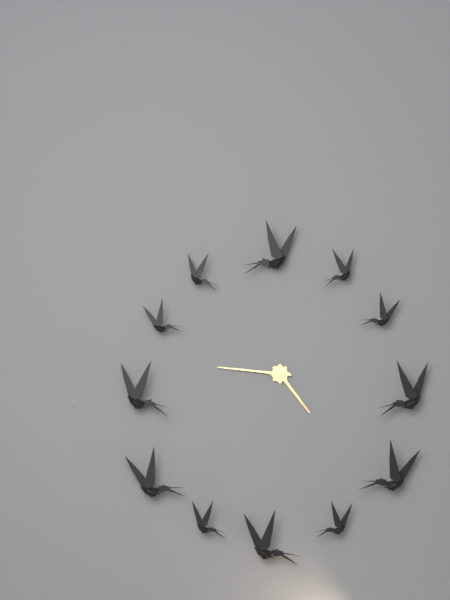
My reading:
**4:46**
